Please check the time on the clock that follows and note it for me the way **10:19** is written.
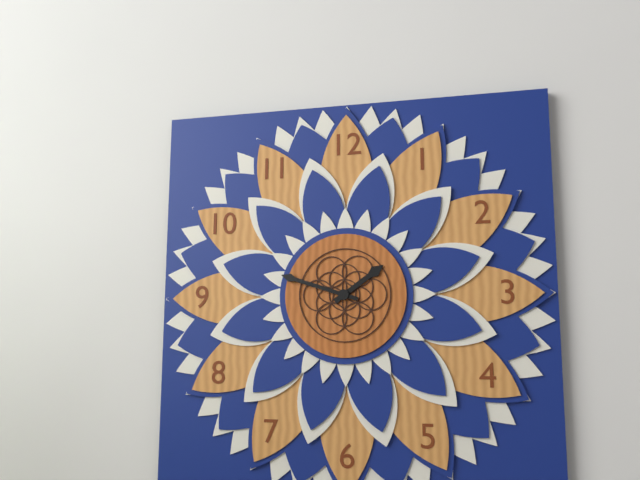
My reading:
**1:48**
